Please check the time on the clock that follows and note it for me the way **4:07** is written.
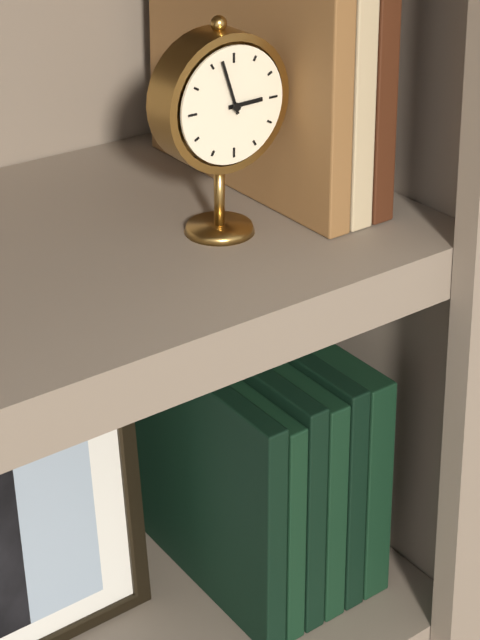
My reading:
**2:57**
